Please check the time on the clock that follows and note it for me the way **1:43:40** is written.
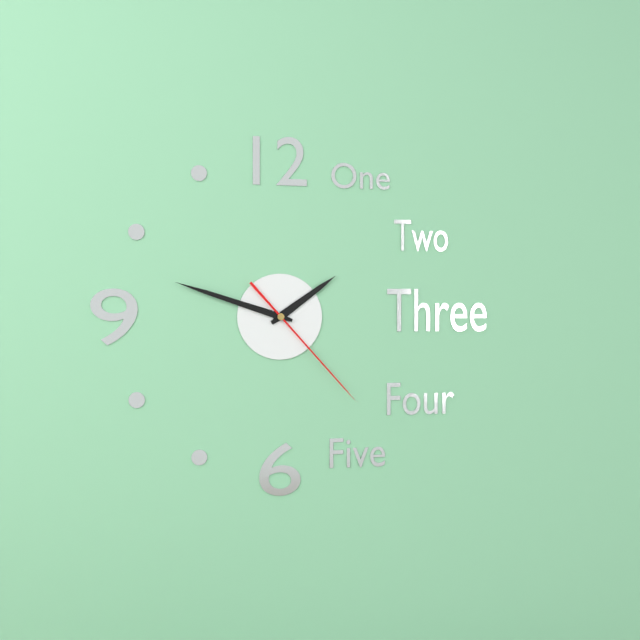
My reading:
**1:48:23**
